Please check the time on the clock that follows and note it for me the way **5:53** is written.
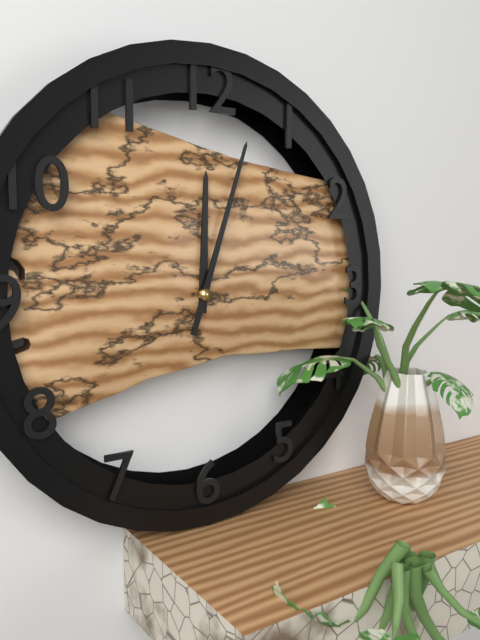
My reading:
**12:03**
